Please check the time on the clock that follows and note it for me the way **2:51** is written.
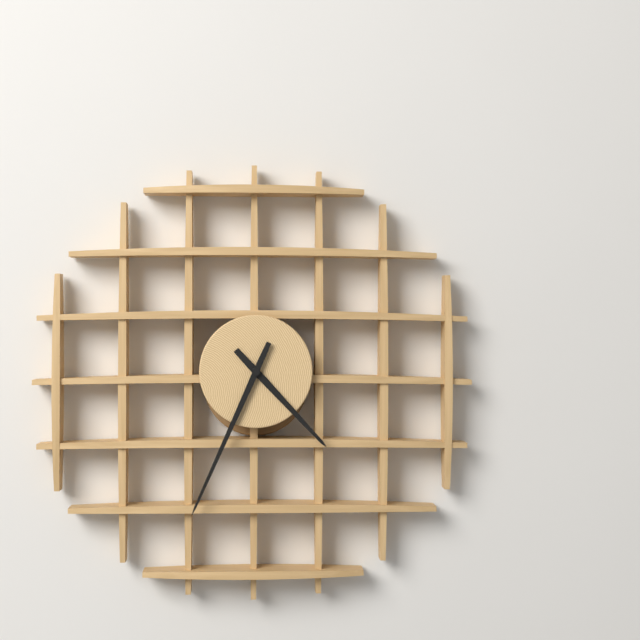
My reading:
**4:34**
